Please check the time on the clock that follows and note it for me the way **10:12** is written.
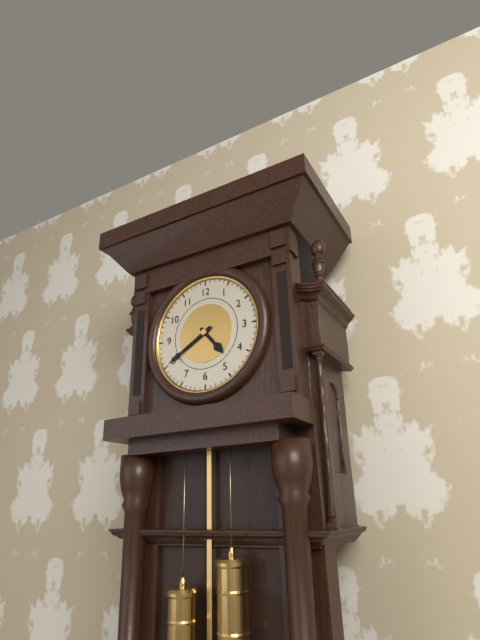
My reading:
**4:40**
